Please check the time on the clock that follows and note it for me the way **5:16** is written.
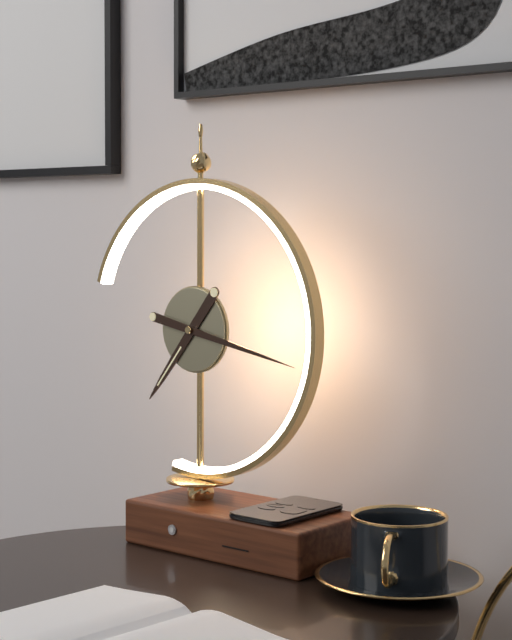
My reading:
**7:17**
